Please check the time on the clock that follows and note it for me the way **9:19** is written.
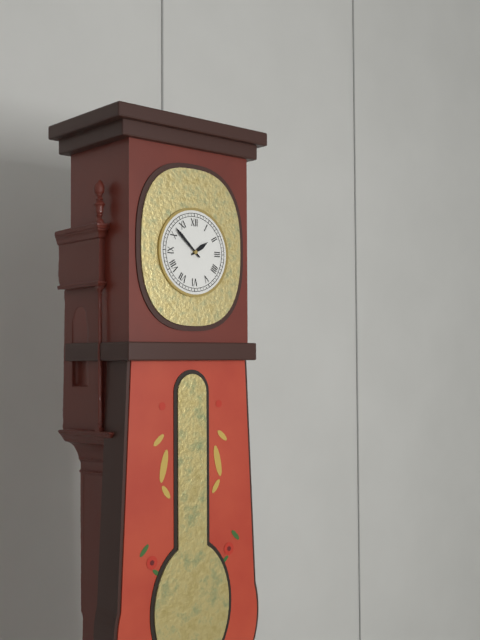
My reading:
**1:52**
